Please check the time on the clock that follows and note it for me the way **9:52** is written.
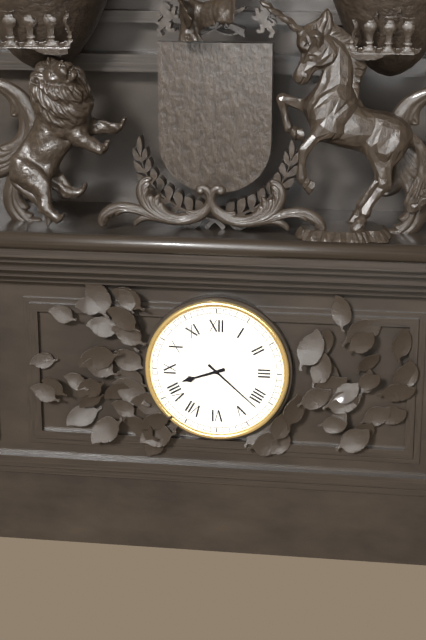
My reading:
**8:22**
